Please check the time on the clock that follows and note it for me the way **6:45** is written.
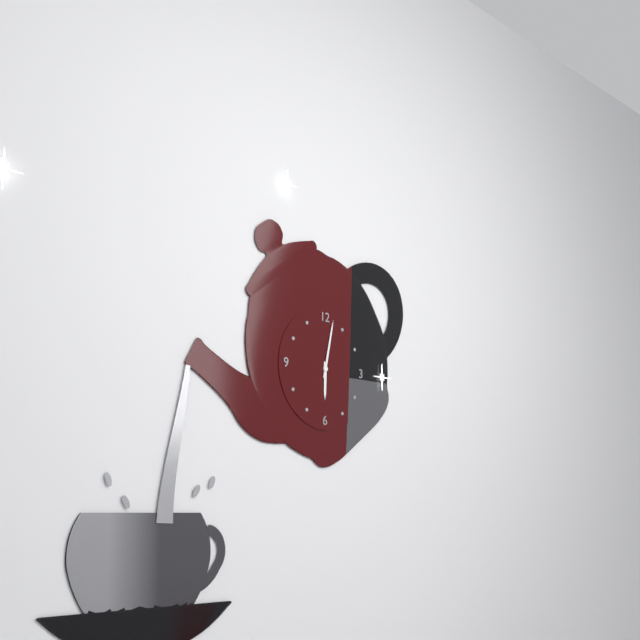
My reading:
**6:02**
